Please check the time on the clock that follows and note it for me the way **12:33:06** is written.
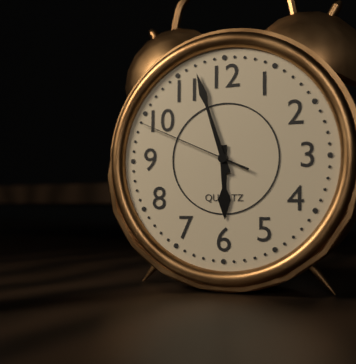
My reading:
**5:57:49**
